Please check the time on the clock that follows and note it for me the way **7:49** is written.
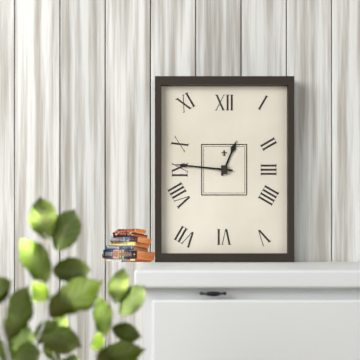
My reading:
**12:46**
